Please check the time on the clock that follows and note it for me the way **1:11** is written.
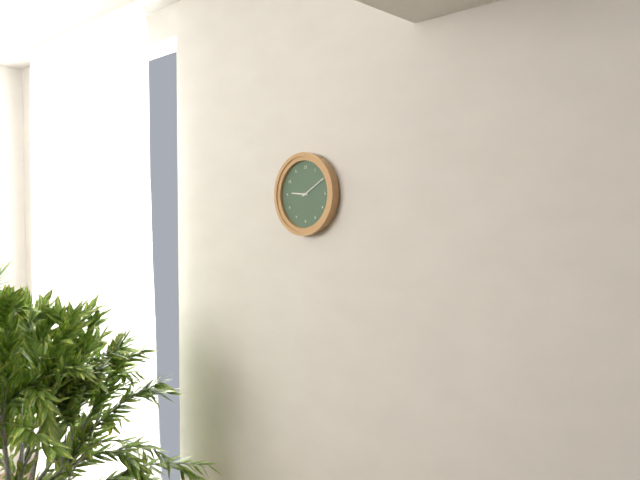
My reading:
**9:10**
